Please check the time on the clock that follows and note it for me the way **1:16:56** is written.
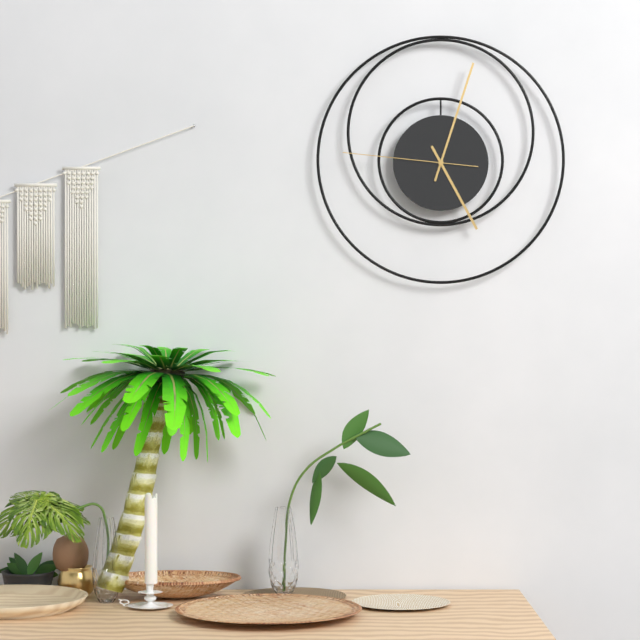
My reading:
**5:03:46**
